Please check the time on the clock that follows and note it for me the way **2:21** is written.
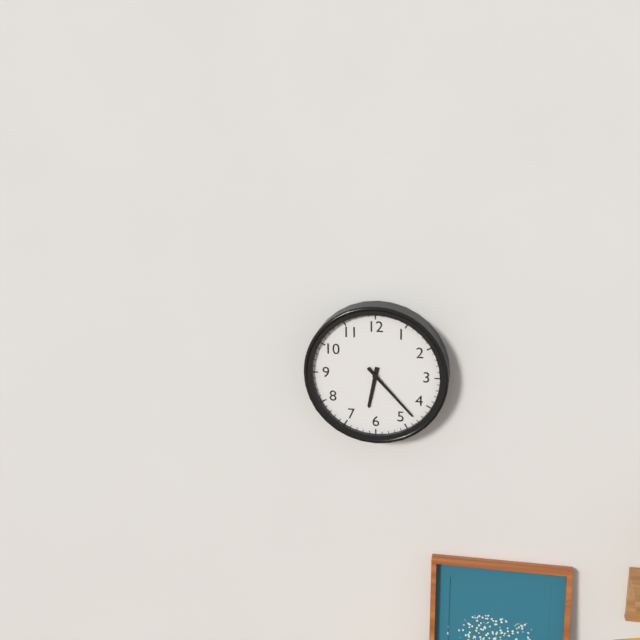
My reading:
**6:23**
